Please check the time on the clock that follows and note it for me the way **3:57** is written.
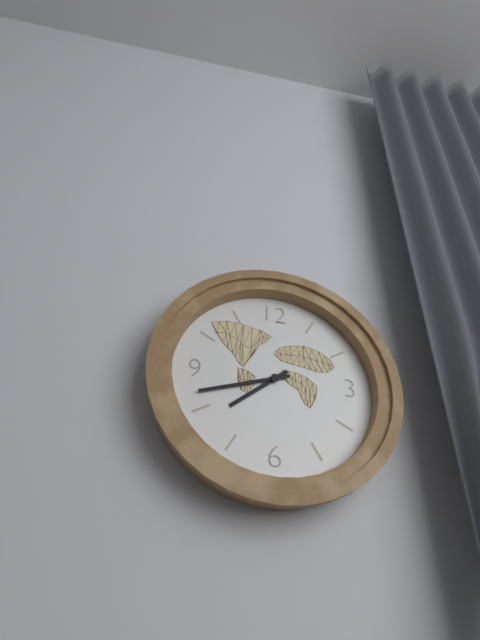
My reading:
**7:42**
